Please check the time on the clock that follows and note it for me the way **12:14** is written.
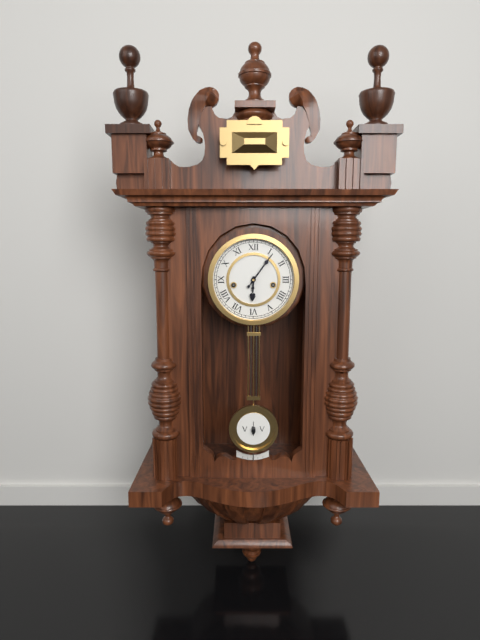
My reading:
**6:06**
